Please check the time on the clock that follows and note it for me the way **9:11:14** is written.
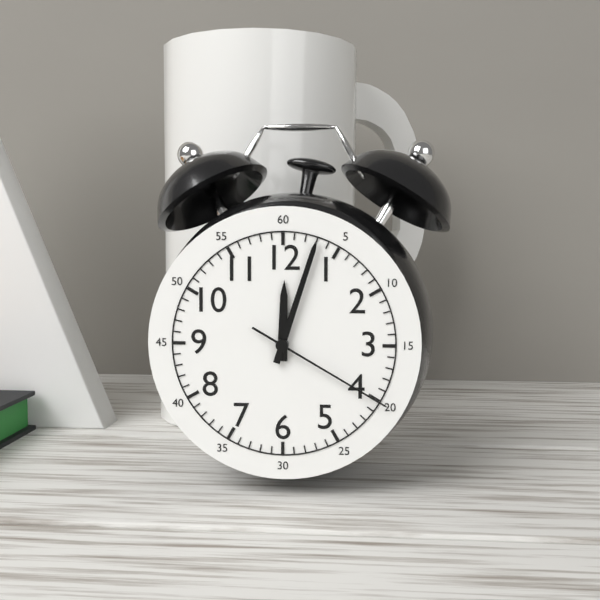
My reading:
**12:03:20**
